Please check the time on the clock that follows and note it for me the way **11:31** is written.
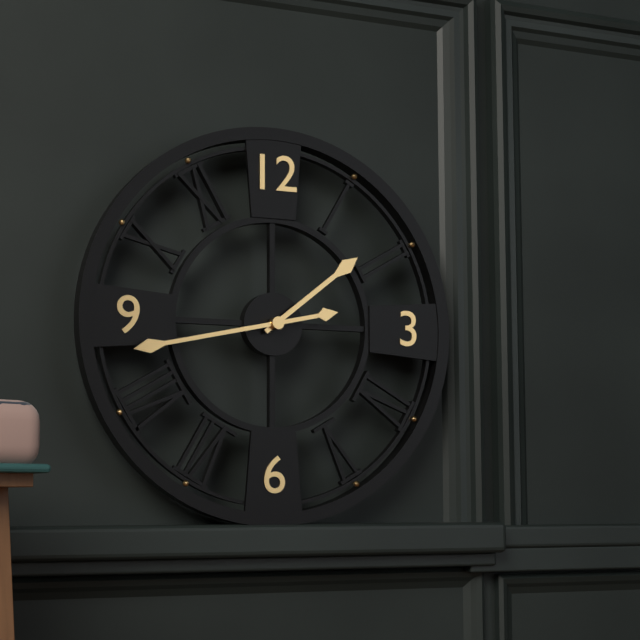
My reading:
**1:43**
